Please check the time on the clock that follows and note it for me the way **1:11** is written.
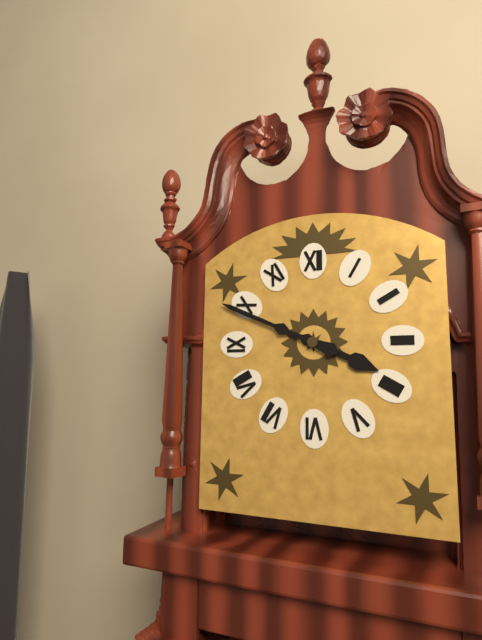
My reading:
**3:49**
